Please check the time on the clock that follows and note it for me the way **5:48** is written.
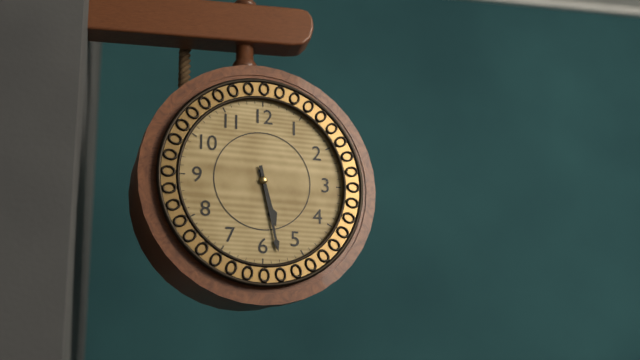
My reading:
**5:28**
